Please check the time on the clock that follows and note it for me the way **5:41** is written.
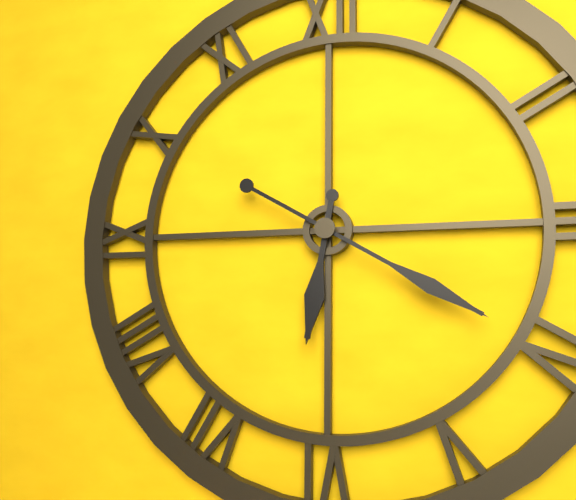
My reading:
**6:20**
